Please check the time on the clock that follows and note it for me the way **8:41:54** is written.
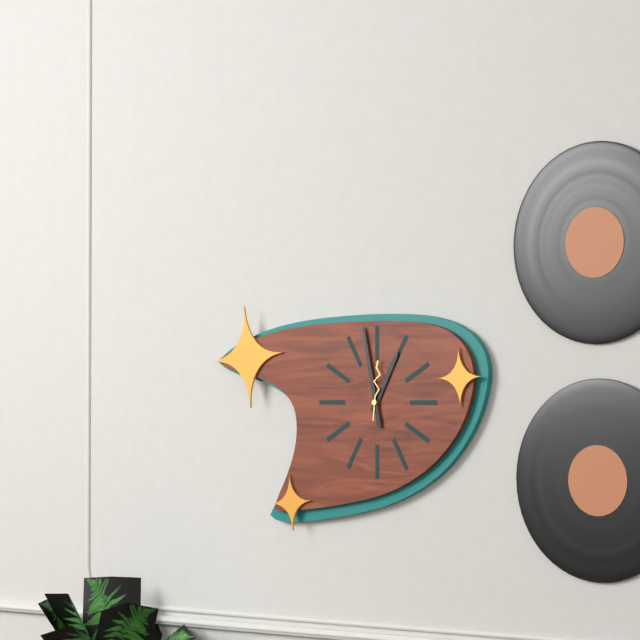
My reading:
**12:58:01**
